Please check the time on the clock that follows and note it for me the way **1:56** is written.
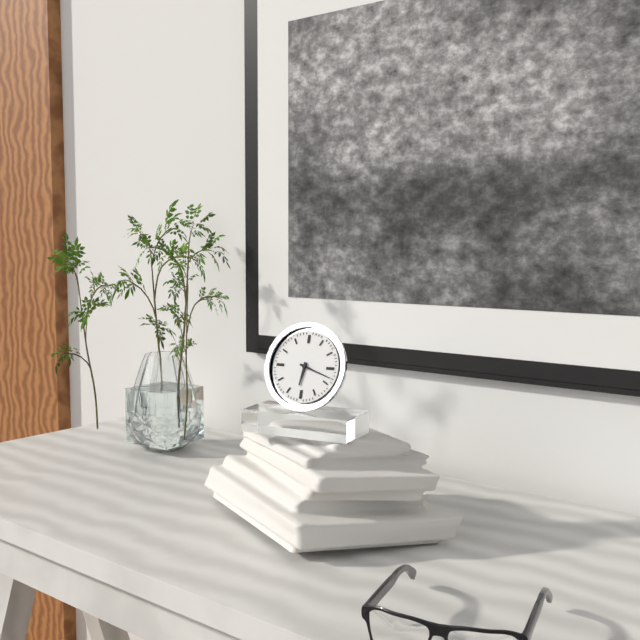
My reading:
**6:18**
